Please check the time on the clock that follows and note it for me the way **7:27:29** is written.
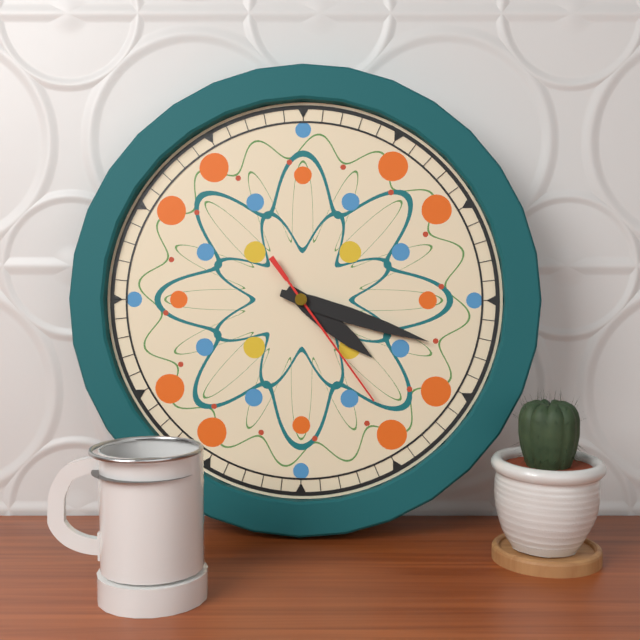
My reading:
**4:18:24**
